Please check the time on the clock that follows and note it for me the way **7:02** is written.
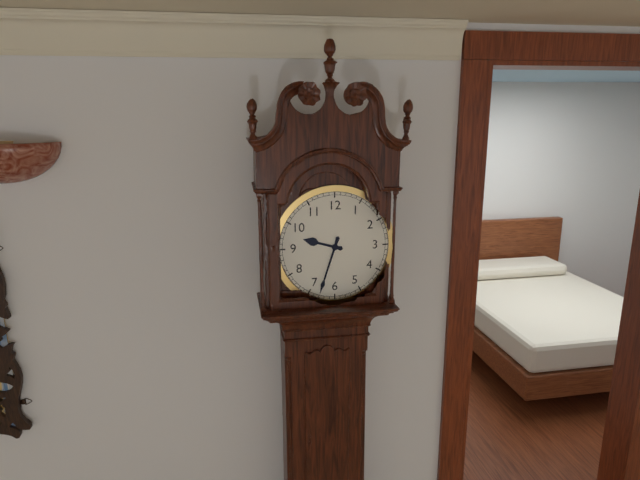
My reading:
**9:33**
